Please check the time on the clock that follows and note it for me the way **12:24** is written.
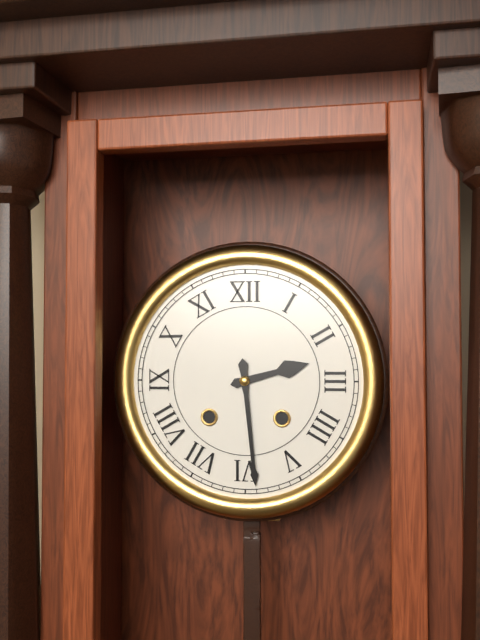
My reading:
**2:29**
